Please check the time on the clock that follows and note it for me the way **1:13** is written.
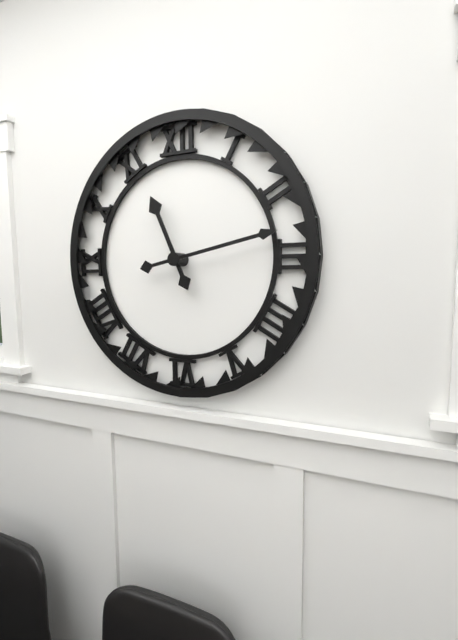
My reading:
**11:13**
